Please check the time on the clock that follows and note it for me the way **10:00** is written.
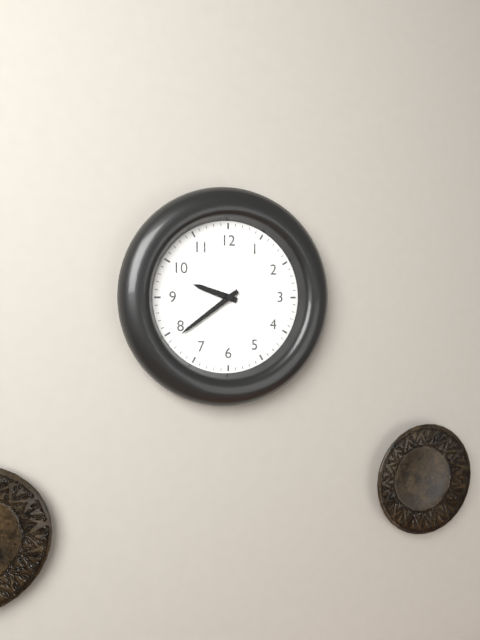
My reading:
**9:39**
